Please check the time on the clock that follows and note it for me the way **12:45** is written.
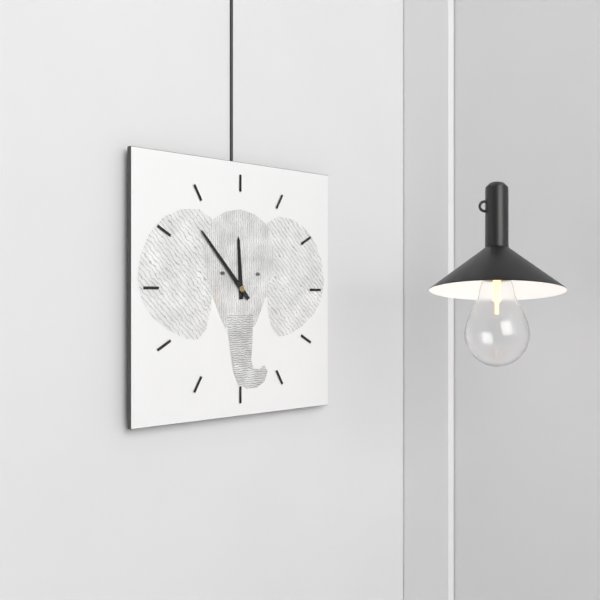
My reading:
**11:53**
